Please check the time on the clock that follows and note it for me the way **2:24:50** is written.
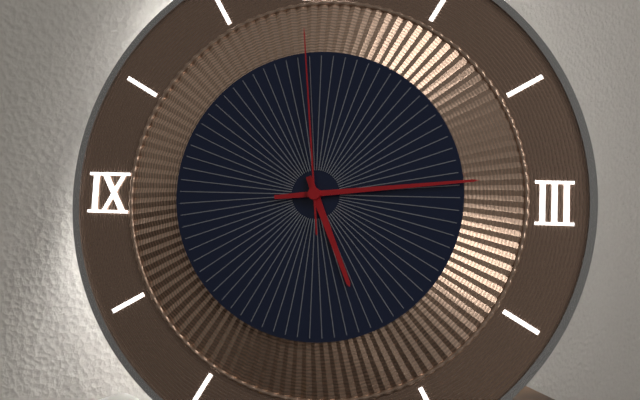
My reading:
**5:14:59**
